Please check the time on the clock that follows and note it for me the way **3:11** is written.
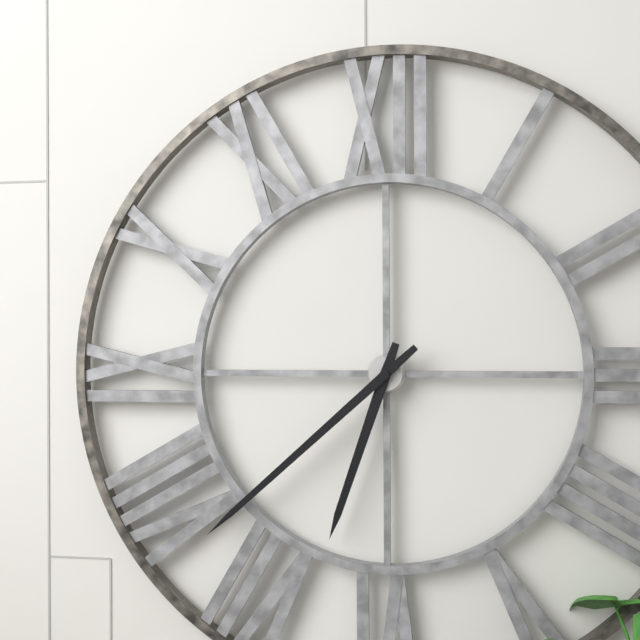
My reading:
**6:38**
